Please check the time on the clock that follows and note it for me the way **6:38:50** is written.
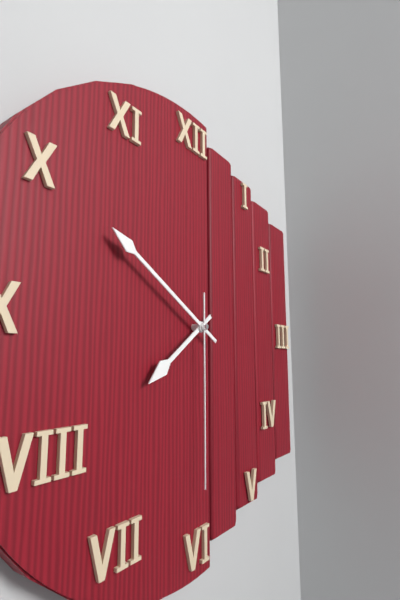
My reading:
**7:50:30**
